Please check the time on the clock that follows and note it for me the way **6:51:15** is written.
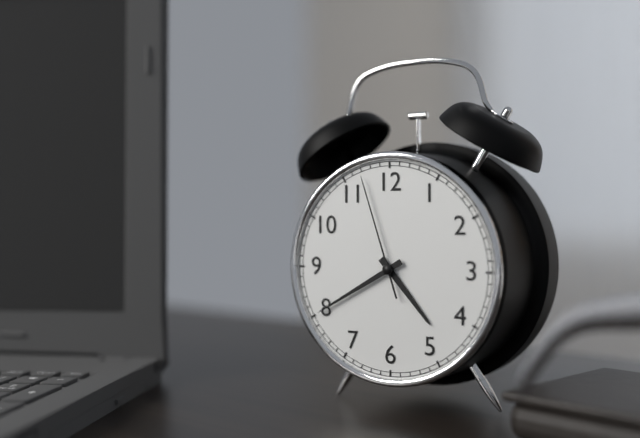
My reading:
**4:40:57**
